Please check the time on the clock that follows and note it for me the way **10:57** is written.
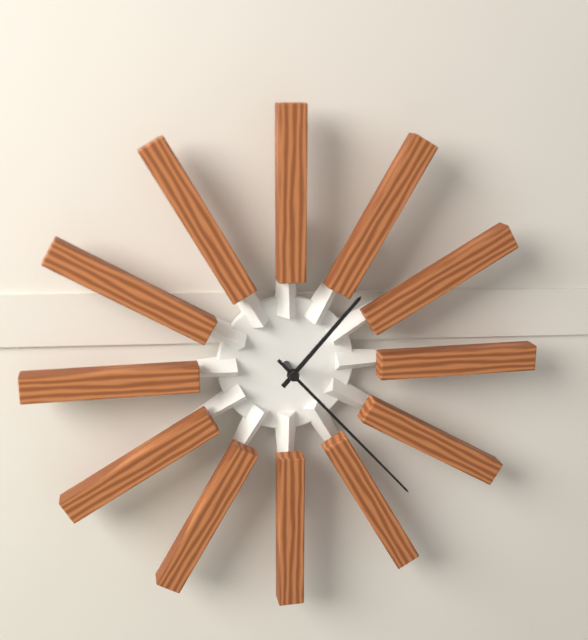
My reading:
**1:23**
